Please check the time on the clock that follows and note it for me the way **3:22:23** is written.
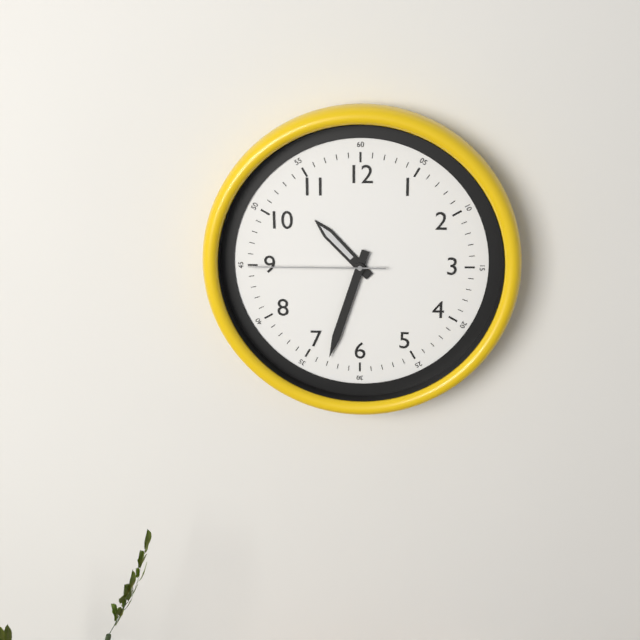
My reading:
**10:33:45**
